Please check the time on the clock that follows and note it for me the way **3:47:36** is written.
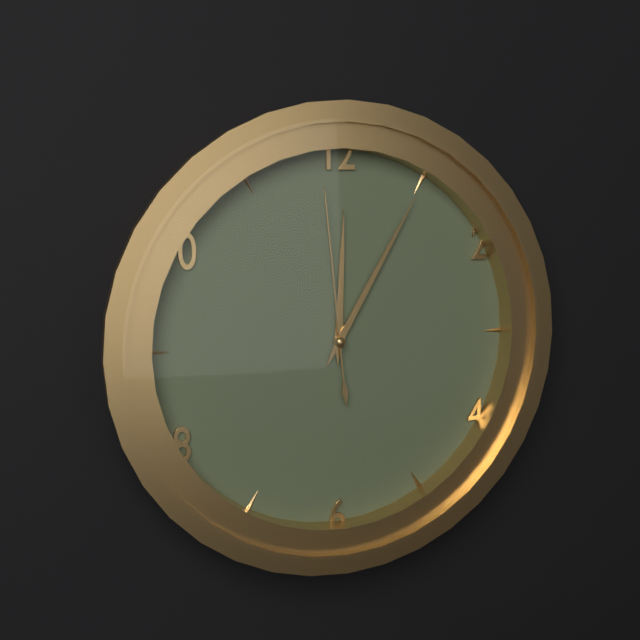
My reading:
**12:05:59**
